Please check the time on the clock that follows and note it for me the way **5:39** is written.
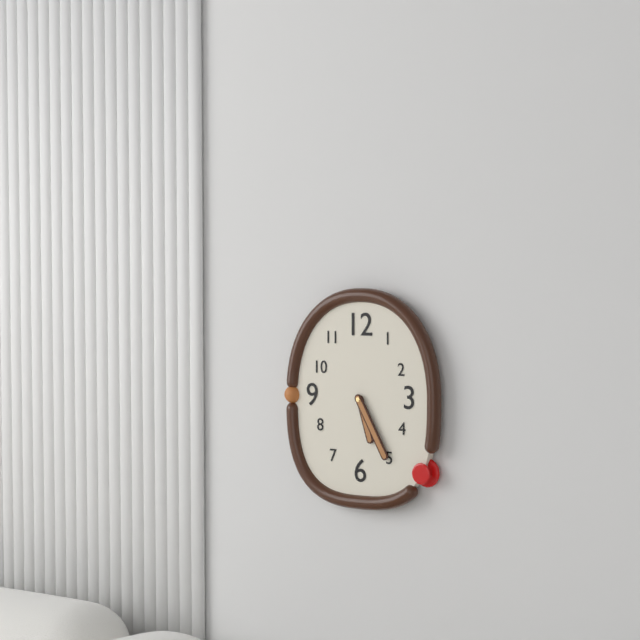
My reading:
**5:25**
